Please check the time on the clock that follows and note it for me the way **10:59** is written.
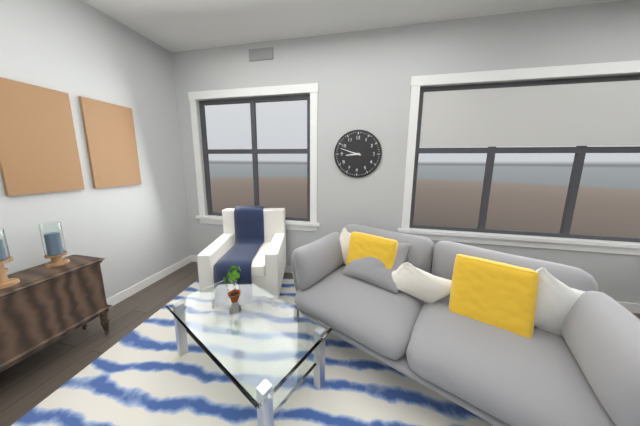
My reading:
**8:48**
